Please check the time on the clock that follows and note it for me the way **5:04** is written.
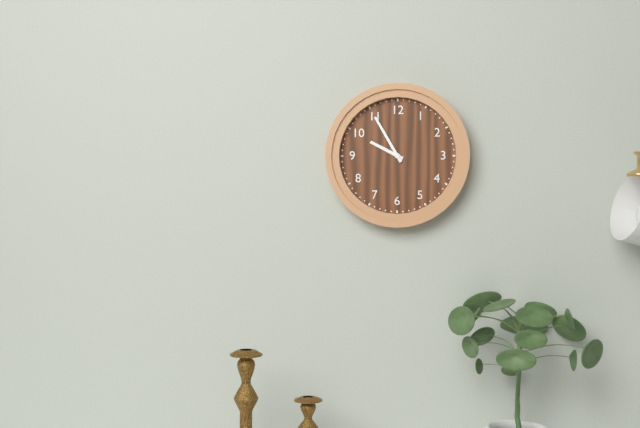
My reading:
**9:55**
